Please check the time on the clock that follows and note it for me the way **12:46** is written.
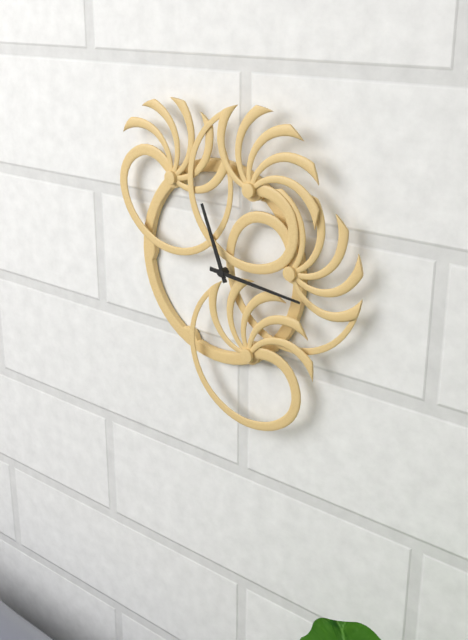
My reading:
**11:16**
